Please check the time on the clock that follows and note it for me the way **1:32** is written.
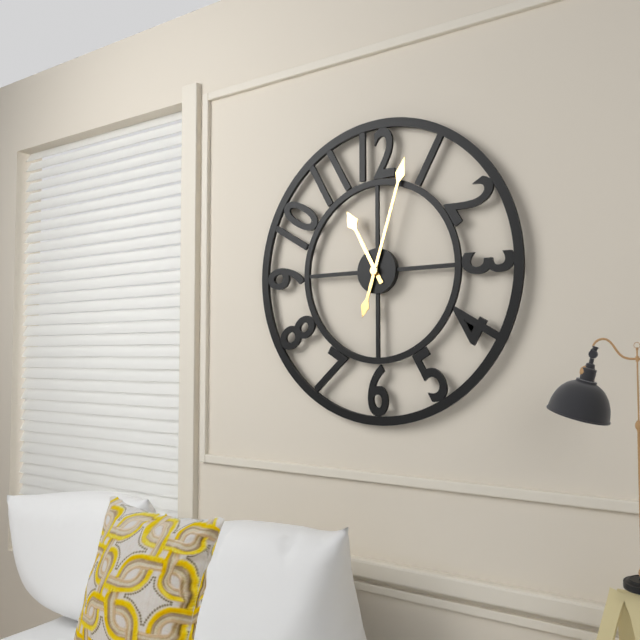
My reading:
**11:03**
